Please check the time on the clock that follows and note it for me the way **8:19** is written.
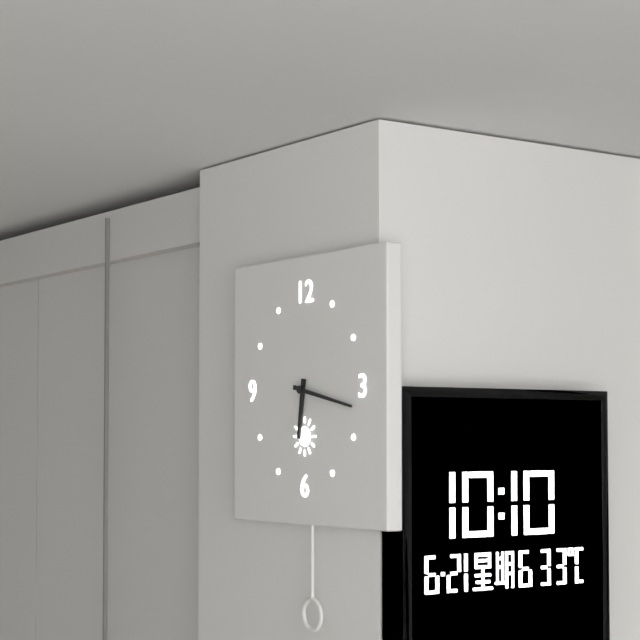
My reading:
**6:17**
